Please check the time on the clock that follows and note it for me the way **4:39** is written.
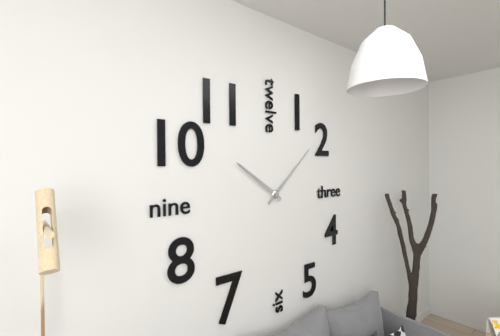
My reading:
**10:08**
